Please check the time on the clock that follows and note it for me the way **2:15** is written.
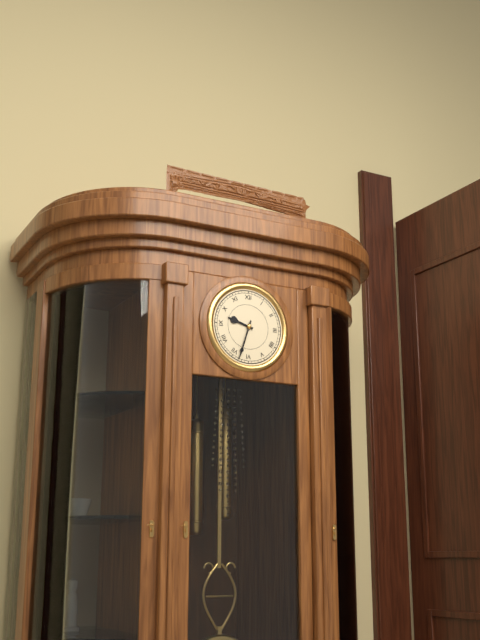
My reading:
**9:33**
